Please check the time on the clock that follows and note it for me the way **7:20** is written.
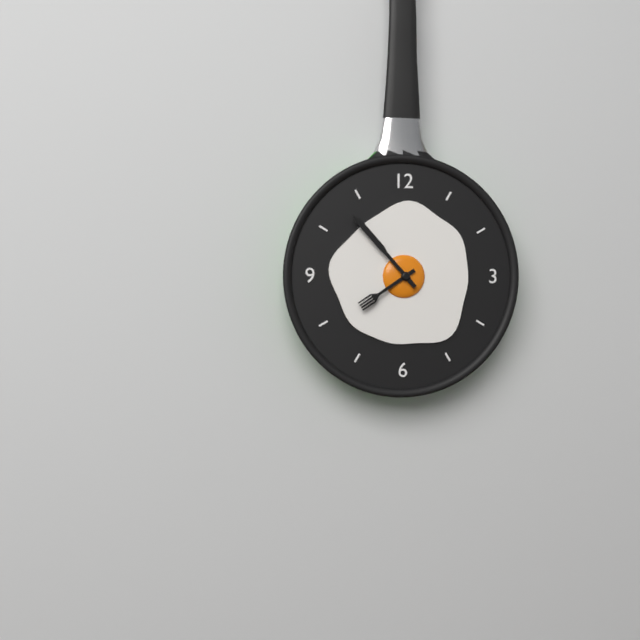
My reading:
**7:53**
